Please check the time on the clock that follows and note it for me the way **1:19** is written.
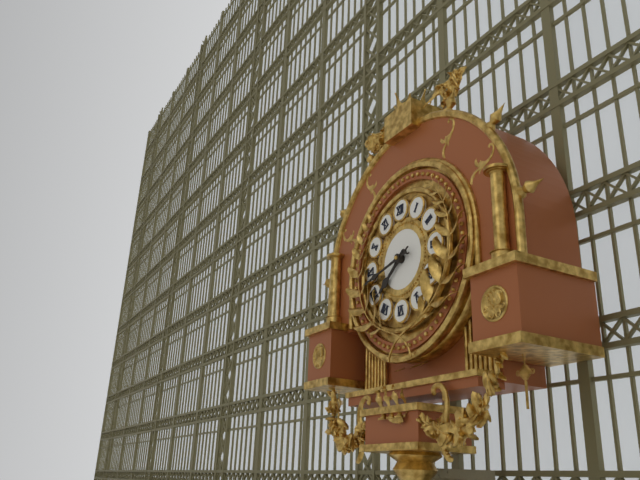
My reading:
**7:43**
